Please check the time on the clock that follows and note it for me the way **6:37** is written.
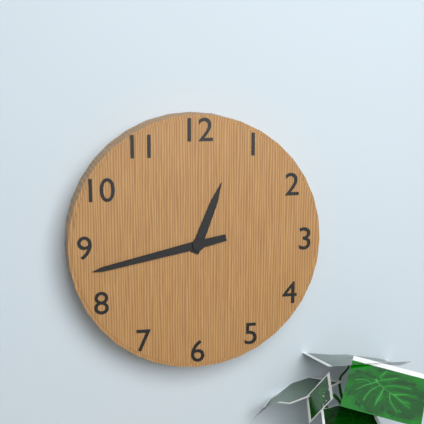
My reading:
**12:43**
